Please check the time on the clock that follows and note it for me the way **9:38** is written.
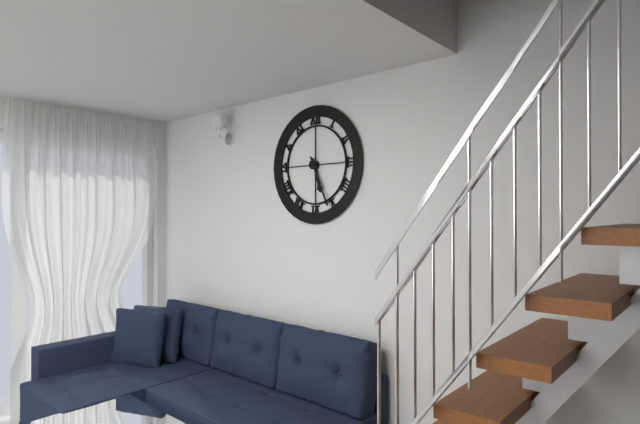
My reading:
**5:26**
